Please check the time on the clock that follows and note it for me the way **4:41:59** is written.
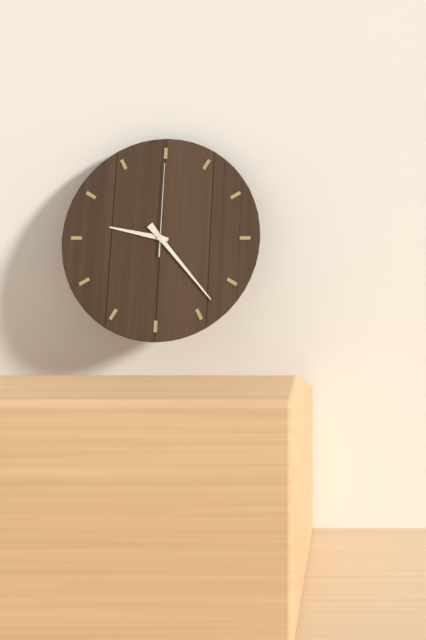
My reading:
**9:23:00**
